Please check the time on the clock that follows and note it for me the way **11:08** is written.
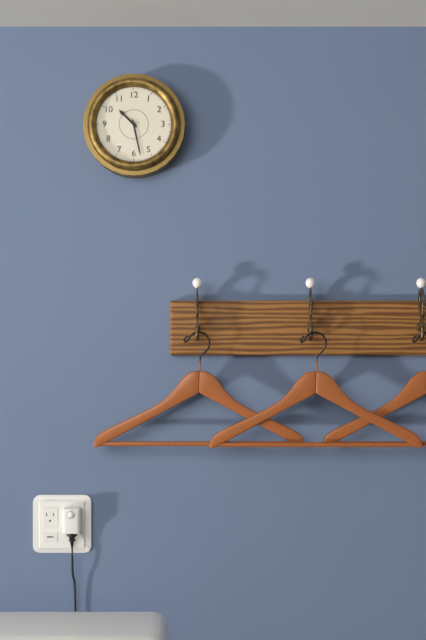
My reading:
**10:28**
